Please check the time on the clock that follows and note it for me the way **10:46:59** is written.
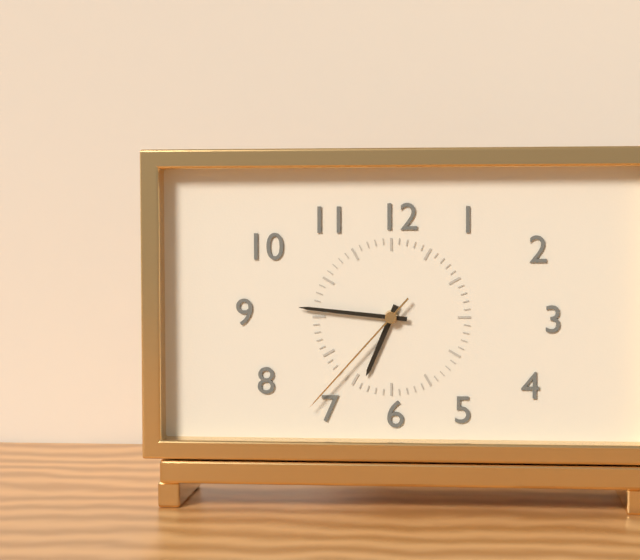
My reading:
**6:46:37**
